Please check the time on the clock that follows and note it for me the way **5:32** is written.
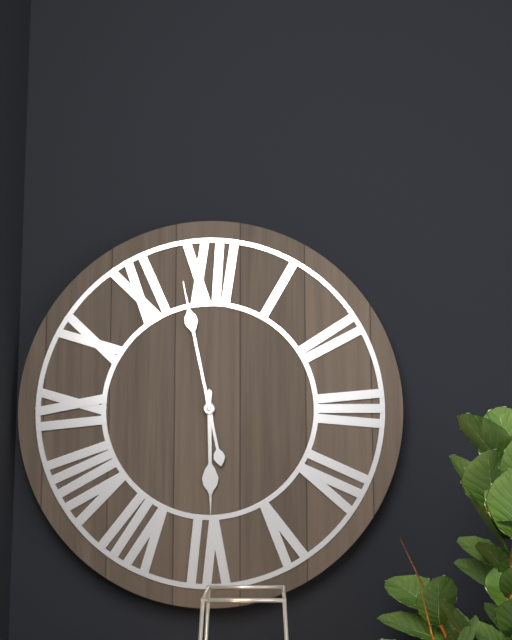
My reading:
**5:58**
